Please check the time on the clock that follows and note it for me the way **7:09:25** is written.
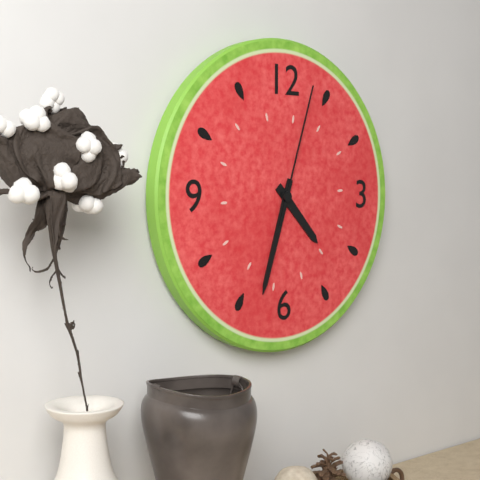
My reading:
**4:33:03**
